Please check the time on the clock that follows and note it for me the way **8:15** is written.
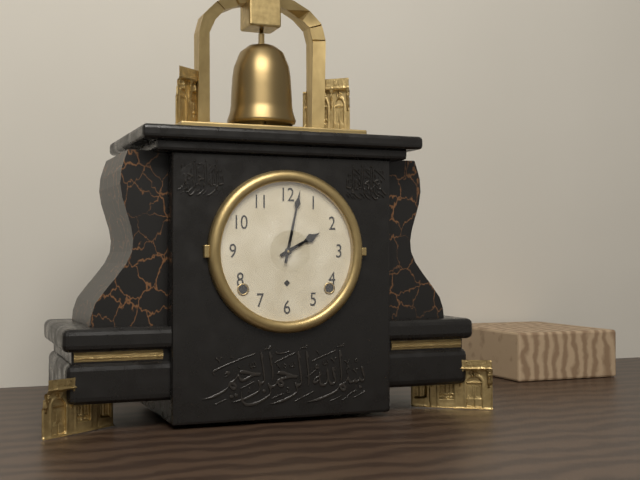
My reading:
**2:02**
